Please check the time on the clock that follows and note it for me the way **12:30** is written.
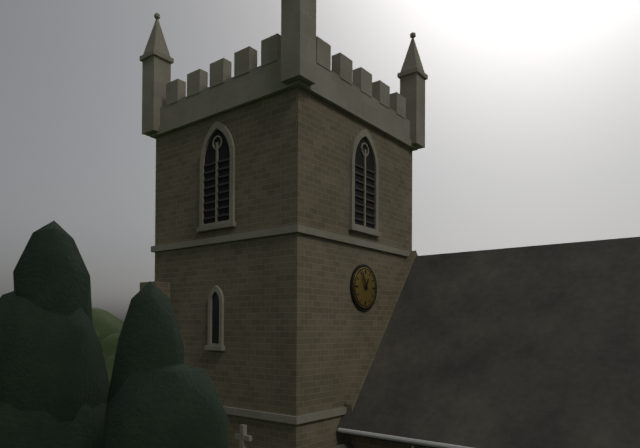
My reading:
**12:56**
